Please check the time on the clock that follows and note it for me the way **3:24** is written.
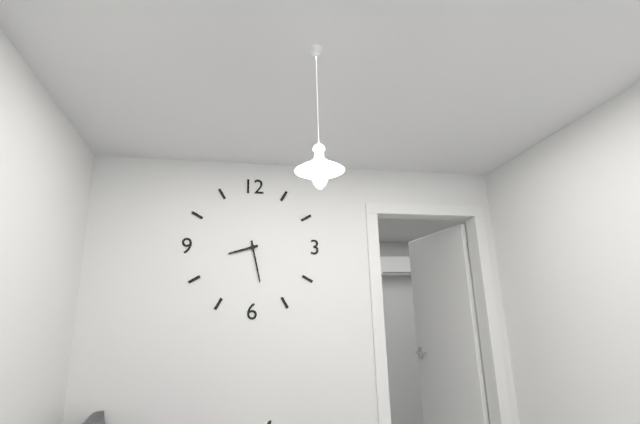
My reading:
**8:28**
